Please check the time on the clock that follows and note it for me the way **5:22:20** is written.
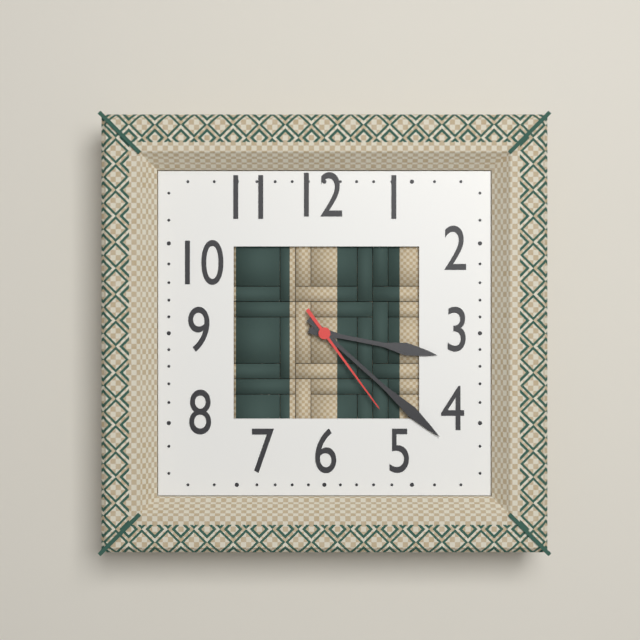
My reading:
**3:22:24**
